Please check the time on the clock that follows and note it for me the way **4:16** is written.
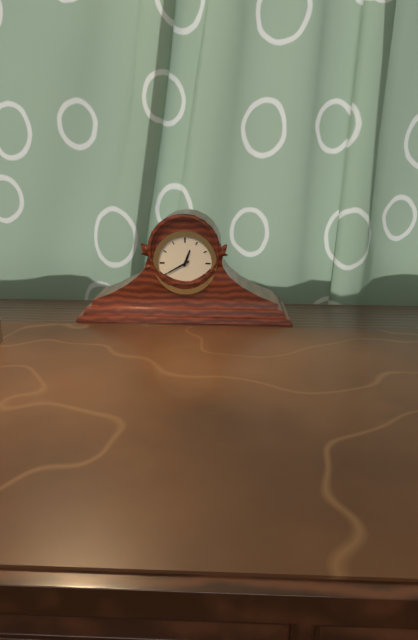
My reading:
**12:40**
